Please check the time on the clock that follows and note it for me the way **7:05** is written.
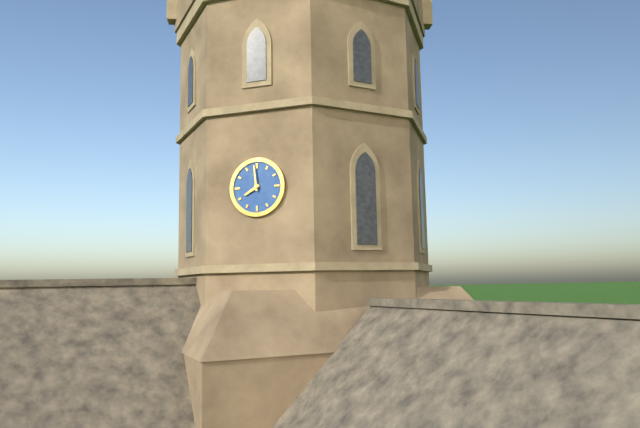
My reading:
**7:59**
